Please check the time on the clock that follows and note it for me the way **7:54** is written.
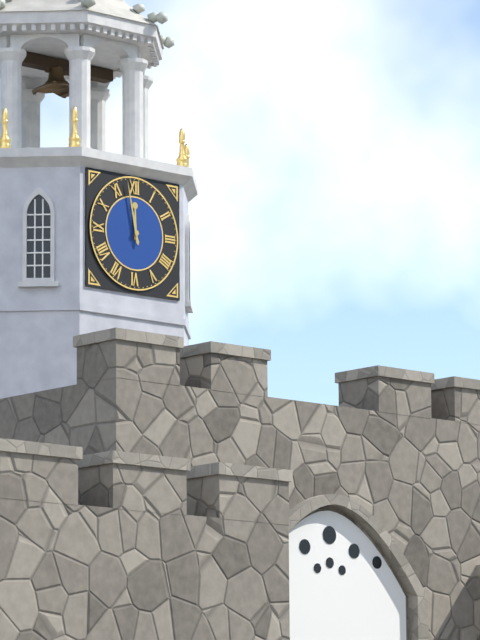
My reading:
**11:58**
